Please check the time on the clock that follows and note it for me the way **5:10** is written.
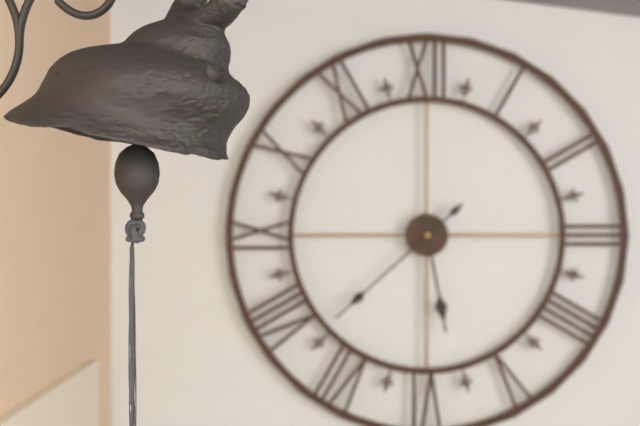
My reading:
**5:38**
